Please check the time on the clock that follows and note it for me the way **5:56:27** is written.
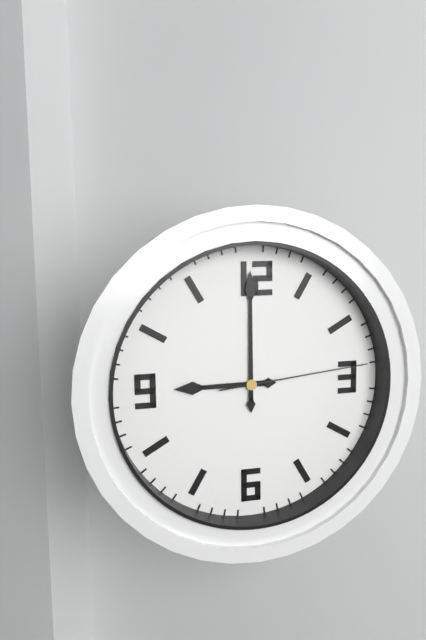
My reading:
**9:00:14**
